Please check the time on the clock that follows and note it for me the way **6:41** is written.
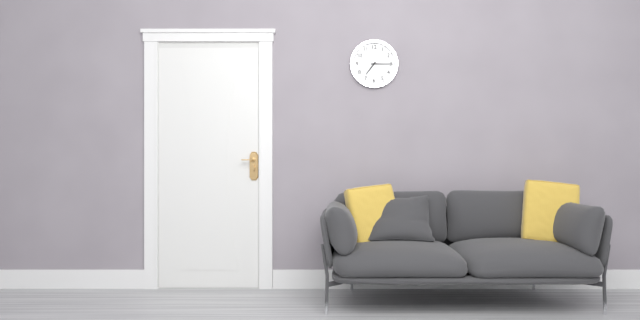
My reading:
**7:15**
